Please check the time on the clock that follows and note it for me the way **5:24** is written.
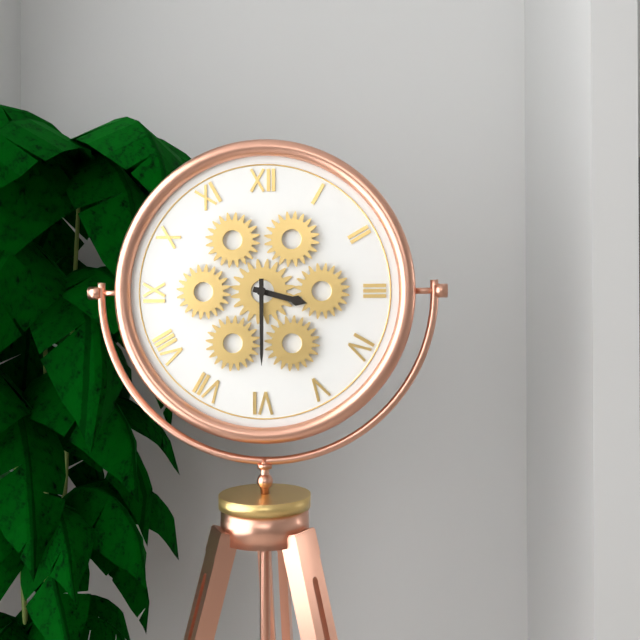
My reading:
**3:30**
